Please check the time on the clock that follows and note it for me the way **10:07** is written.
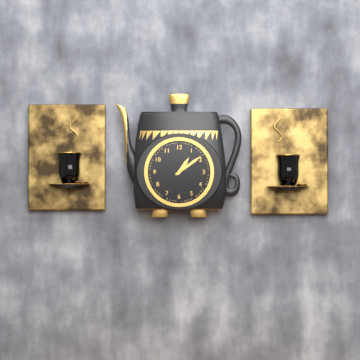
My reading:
**1:09**
